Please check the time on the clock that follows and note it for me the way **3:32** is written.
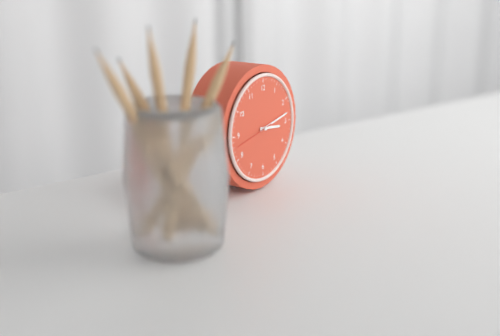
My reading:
**3:13**
